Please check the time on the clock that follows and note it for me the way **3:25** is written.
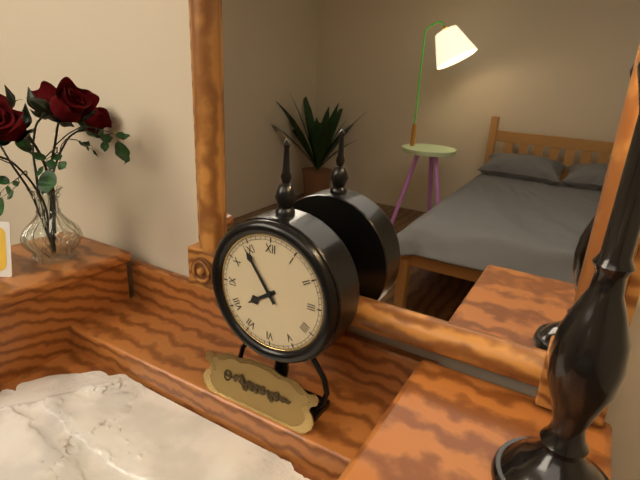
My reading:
**7:54**
